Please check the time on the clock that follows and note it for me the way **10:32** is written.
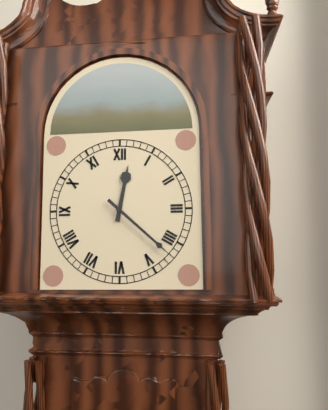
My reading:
**12:22**
